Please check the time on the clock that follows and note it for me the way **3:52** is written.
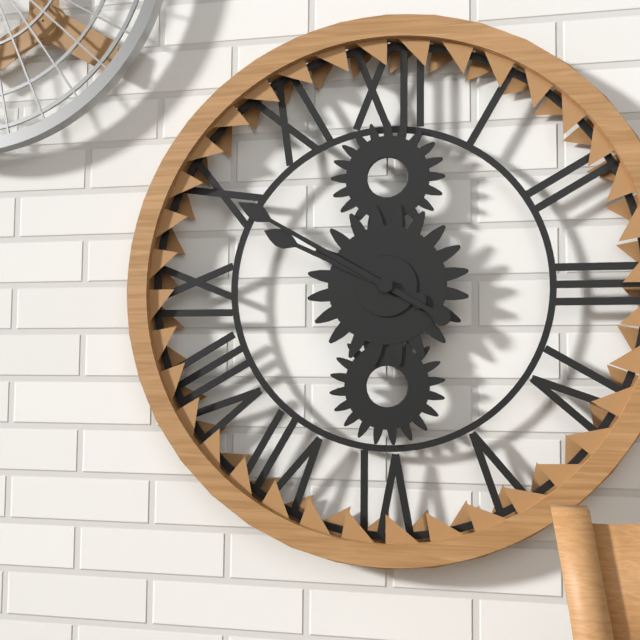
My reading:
**9:50**
